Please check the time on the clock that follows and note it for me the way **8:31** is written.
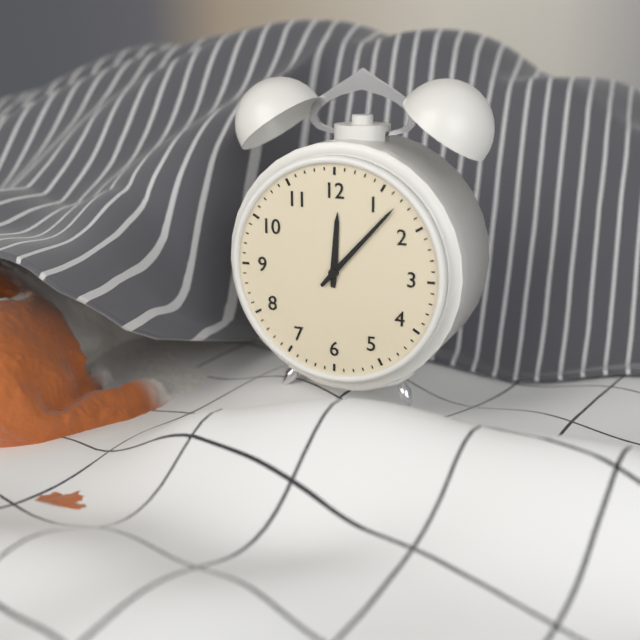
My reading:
**12:07**
